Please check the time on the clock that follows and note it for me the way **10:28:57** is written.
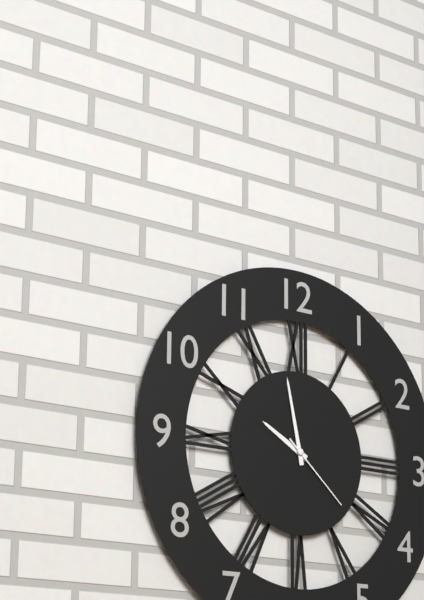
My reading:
**9:58:22**
